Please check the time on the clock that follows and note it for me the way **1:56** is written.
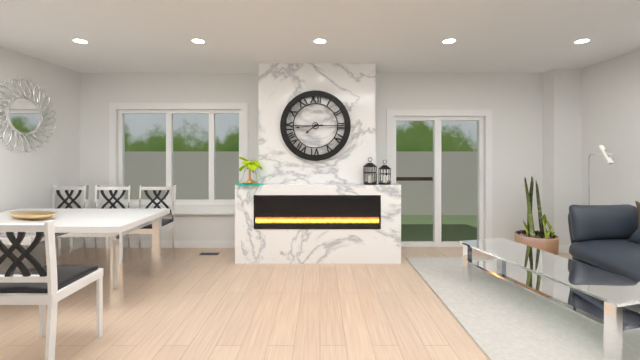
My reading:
**7:44**
